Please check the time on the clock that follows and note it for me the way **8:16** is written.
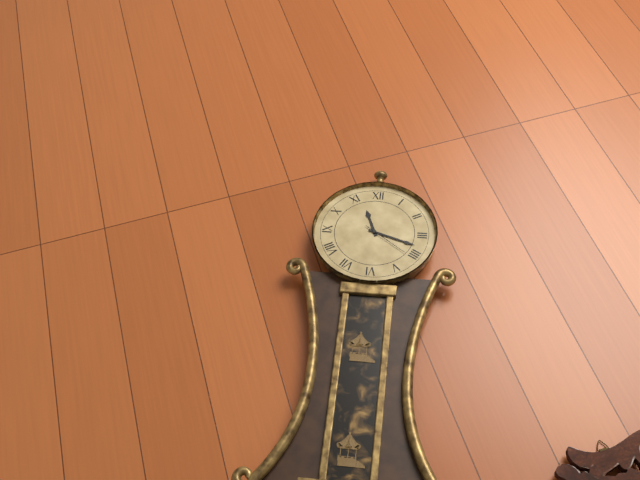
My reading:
**11:18**
